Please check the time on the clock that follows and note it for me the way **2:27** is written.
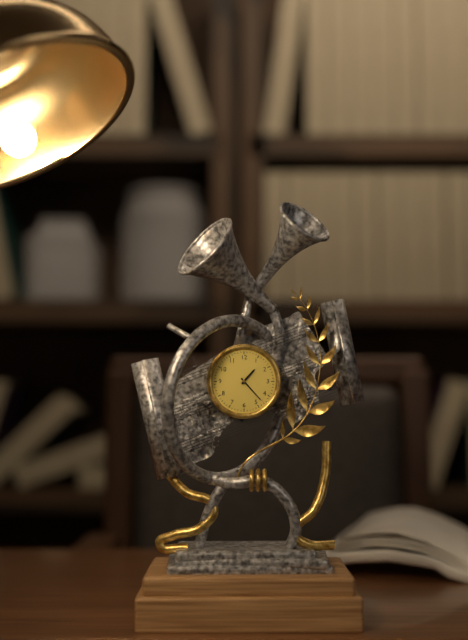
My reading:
**1:23**
